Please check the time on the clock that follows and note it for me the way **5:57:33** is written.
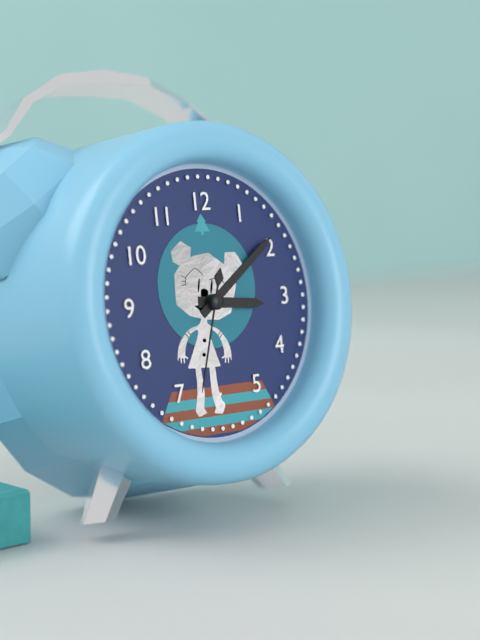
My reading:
**3:09:33**
